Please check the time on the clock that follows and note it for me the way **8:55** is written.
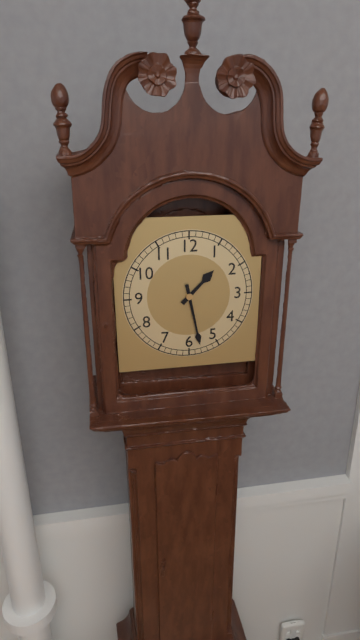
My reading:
**1:28**
